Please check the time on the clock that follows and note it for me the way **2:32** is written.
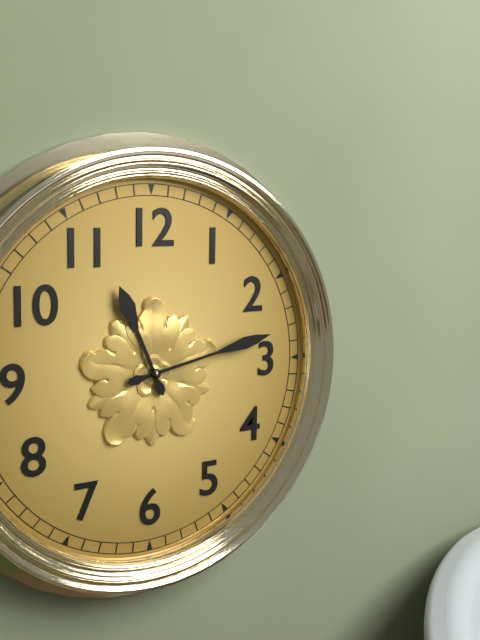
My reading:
**11:13**
